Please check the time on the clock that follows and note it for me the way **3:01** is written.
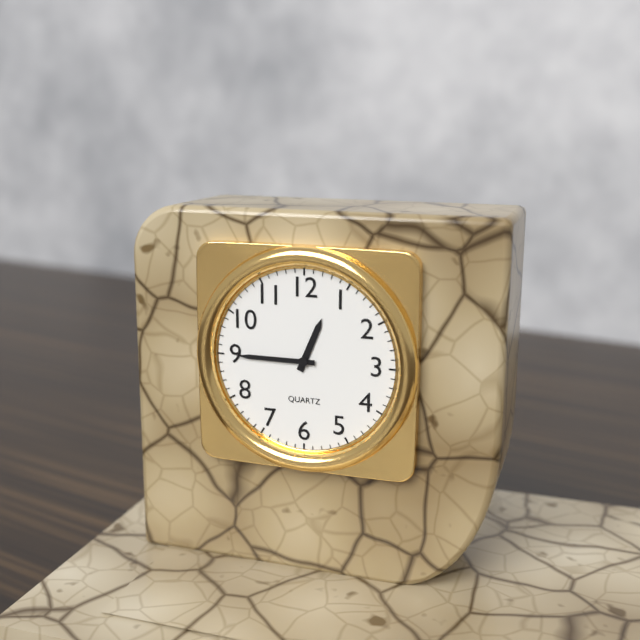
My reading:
**12:45**
